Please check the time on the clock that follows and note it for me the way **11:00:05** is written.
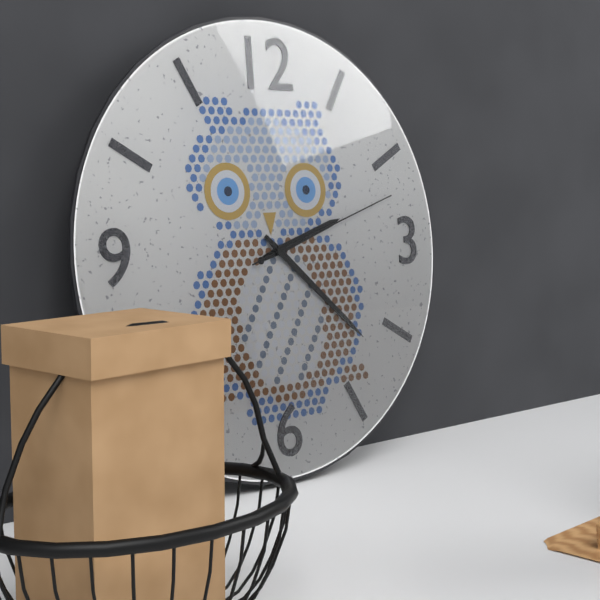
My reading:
**2:22:12**
